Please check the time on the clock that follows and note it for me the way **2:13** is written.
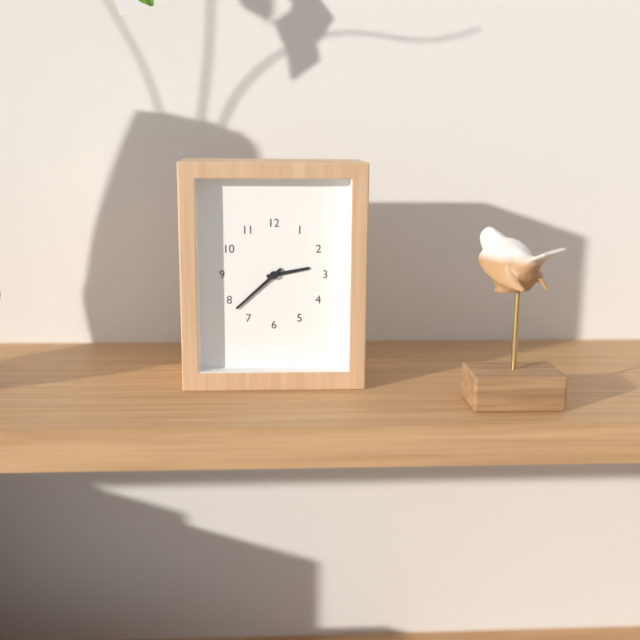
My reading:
**2:38**
